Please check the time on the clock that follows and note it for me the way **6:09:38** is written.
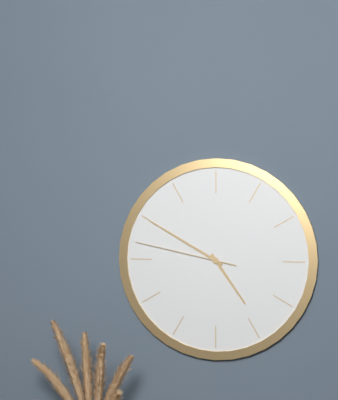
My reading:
**4:50:47**
